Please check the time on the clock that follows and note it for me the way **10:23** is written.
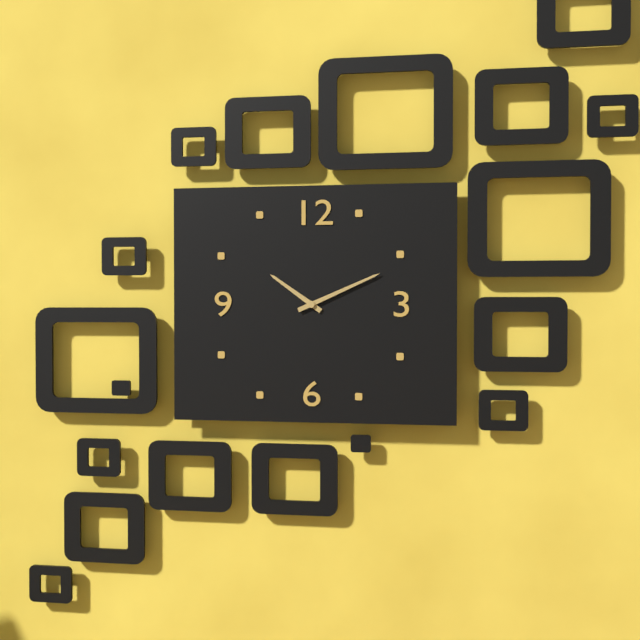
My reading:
**10:11**
